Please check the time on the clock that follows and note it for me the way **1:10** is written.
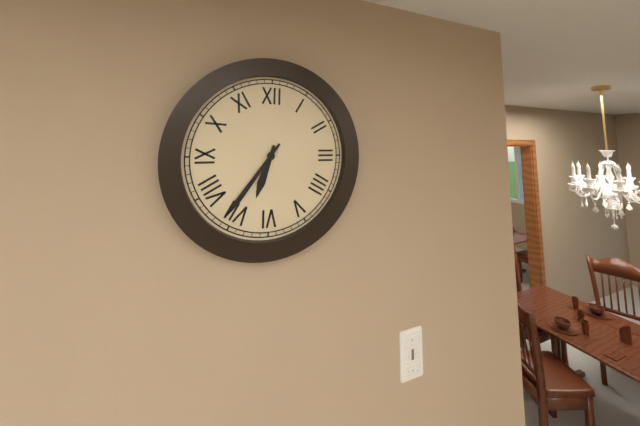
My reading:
**6:36**
